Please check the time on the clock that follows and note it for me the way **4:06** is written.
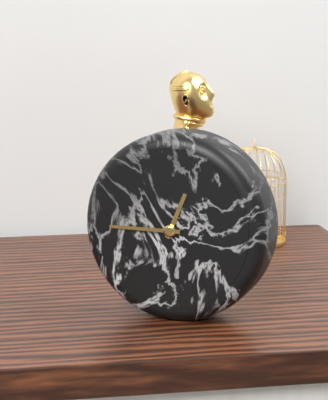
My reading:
**12:45**
